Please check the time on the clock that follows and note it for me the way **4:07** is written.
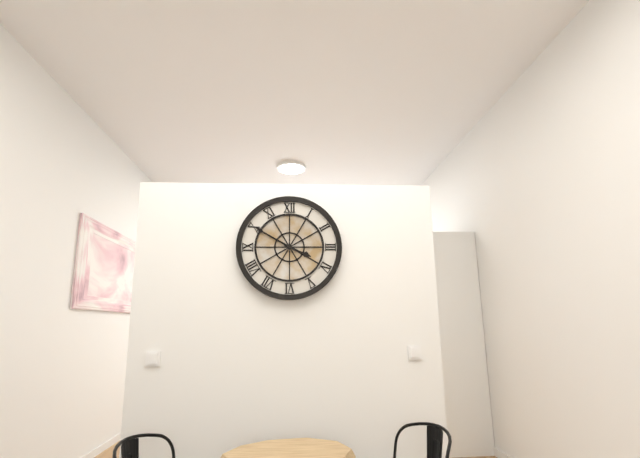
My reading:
**3:50**
